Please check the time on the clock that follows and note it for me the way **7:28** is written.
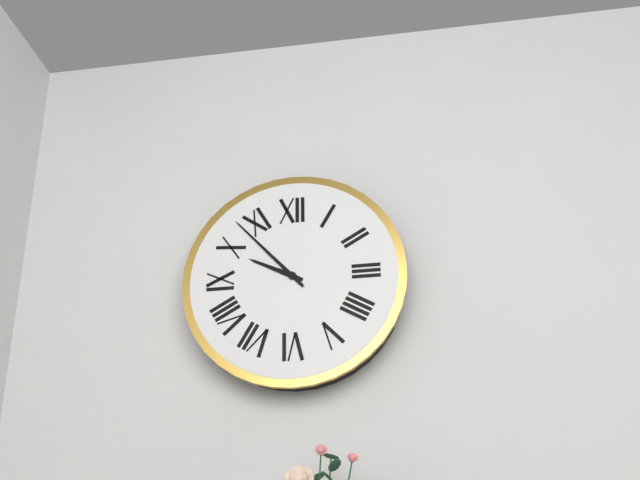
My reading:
**9:53**
